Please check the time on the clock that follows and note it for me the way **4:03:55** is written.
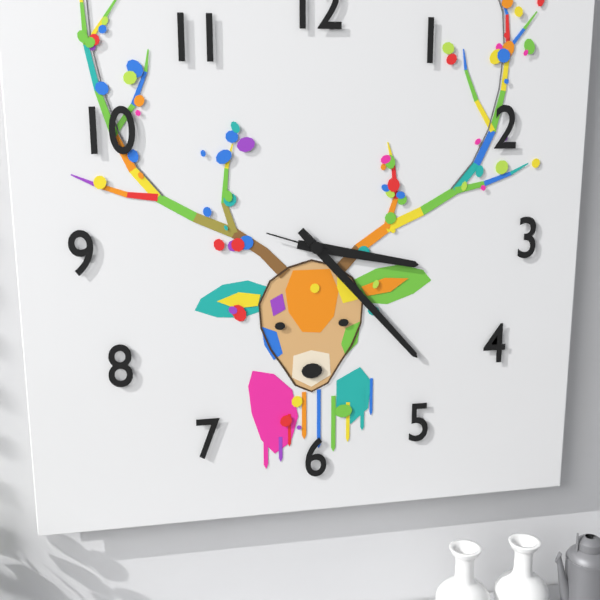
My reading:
**3:23:48**
